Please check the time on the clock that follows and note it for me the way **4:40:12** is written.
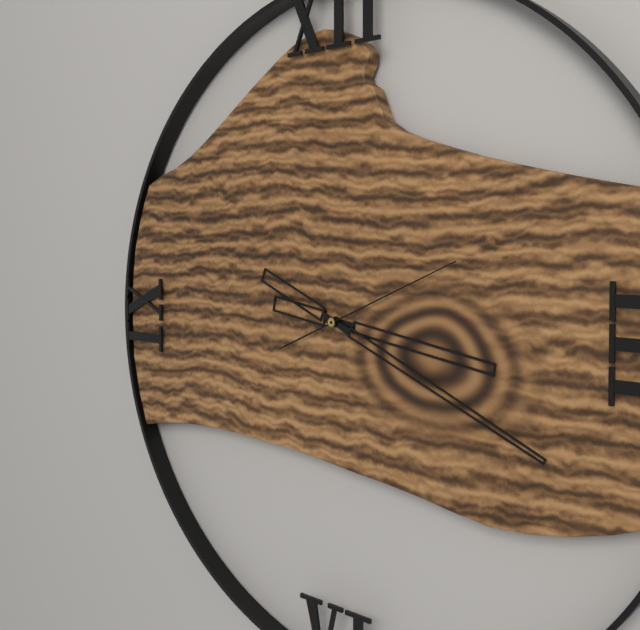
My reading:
**3:19:11**
